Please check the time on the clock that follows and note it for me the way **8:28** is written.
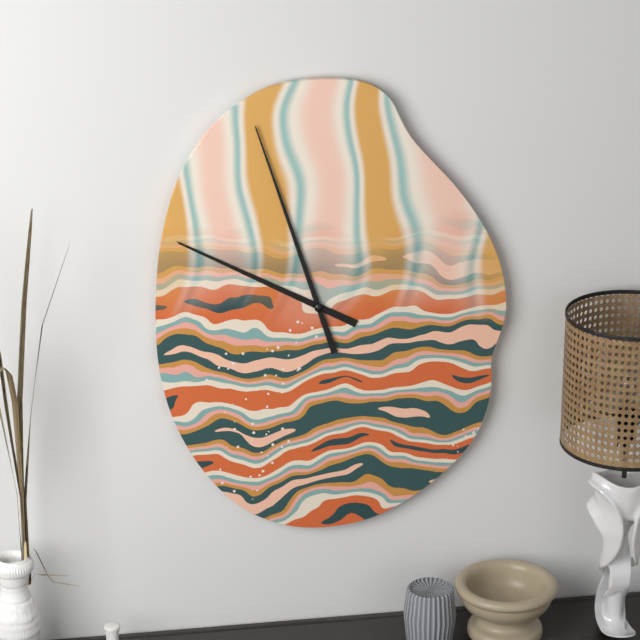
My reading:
**9:57**
